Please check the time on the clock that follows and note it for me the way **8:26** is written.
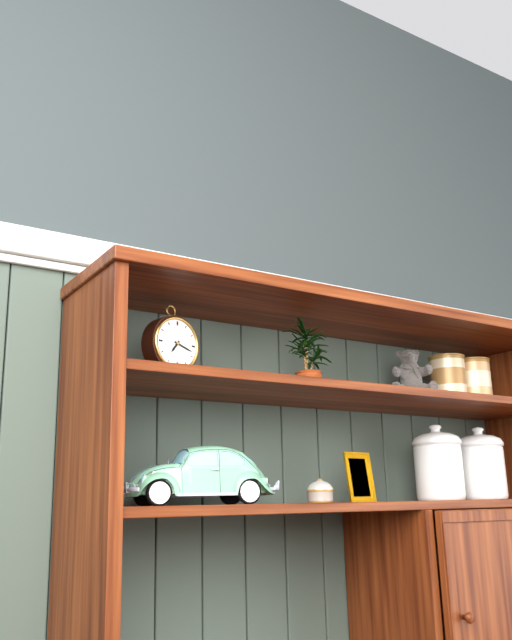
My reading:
**7:18**
